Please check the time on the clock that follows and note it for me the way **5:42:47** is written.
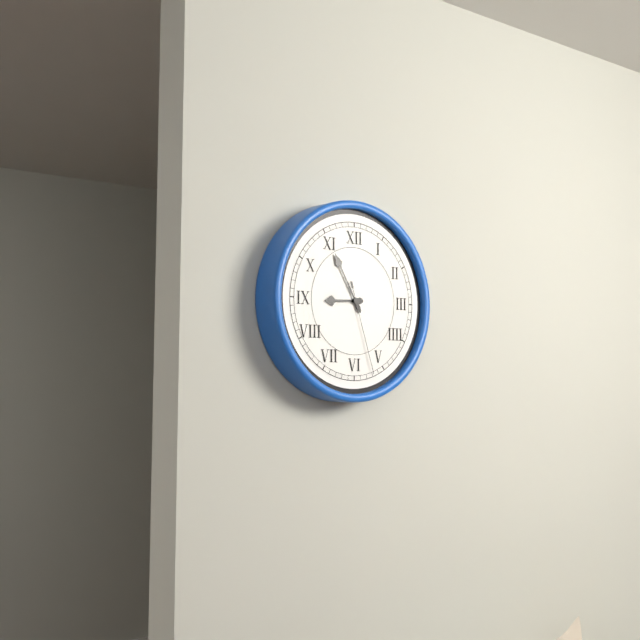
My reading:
**8:55:27**
